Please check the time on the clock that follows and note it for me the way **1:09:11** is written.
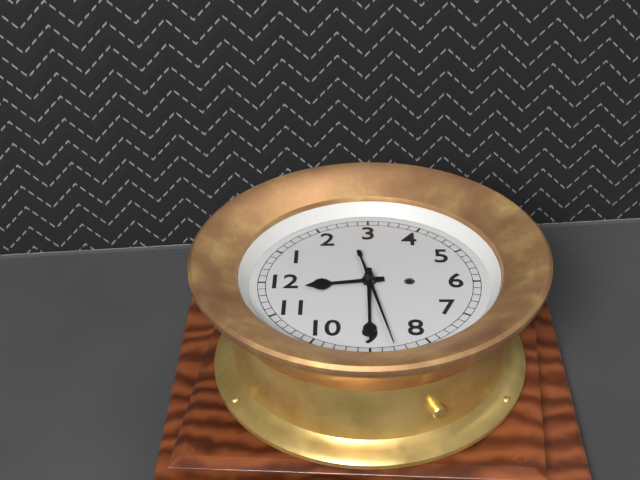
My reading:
**11:45:43**
